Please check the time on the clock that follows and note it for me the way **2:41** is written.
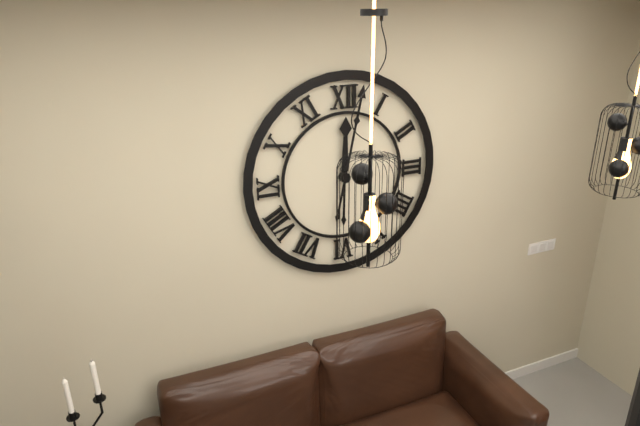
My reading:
**12:02**
